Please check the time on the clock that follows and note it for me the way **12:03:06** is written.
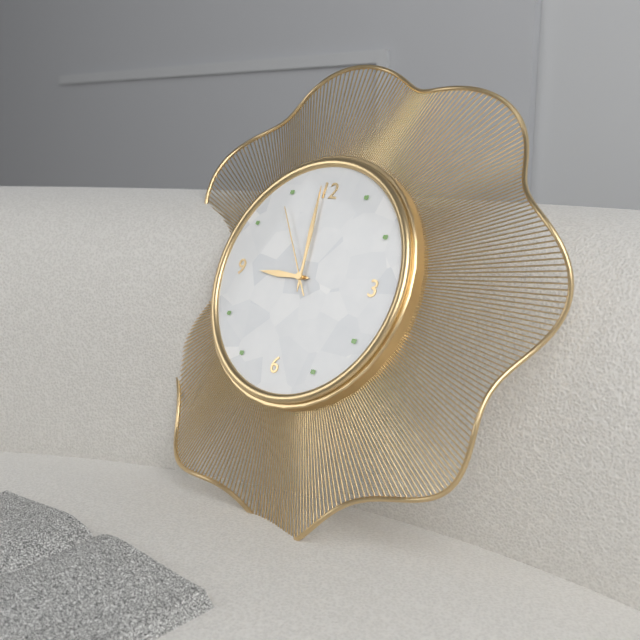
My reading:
**8:59:54**
